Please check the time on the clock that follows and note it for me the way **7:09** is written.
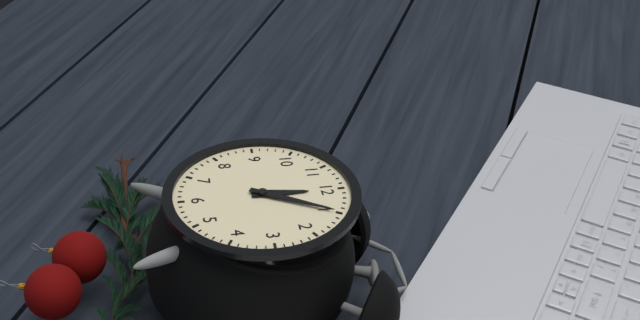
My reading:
**12:05**
